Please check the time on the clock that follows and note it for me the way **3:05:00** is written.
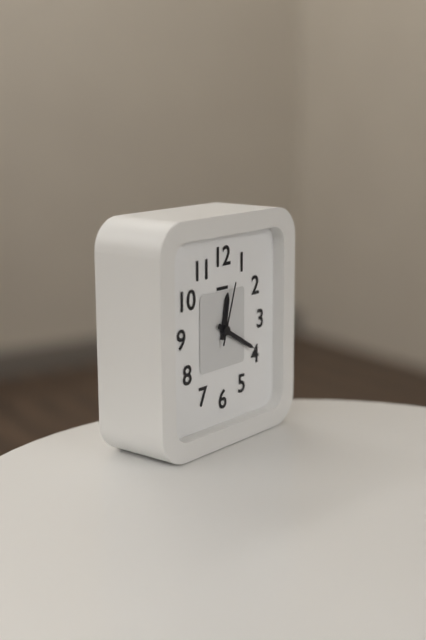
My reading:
**12:20:03**
